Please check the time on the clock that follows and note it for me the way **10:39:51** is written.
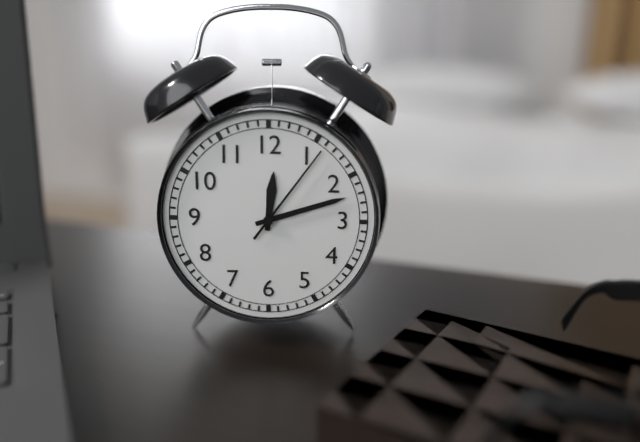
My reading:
**12:12:06**
